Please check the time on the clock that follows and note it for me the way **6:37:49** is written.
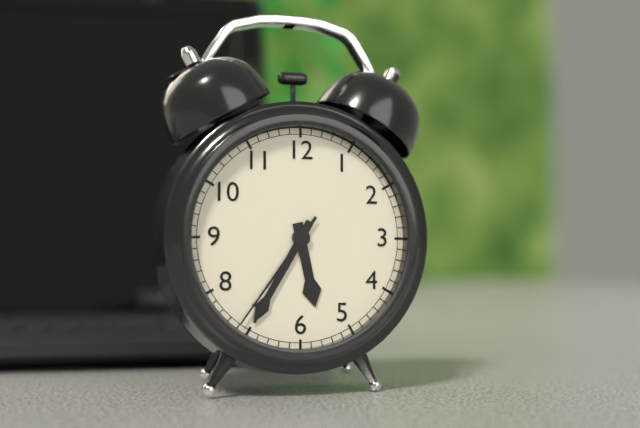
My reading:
**5:35:36**
